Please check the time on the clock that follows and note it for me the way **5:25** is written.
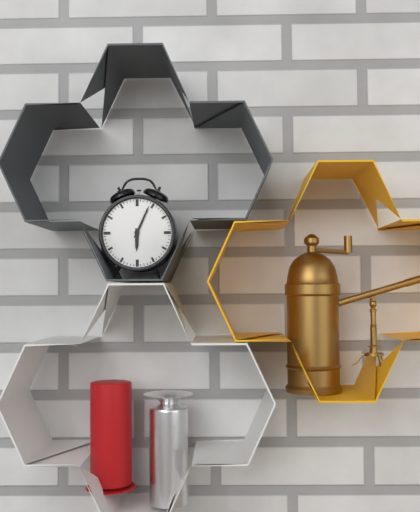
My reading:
**6:04**
